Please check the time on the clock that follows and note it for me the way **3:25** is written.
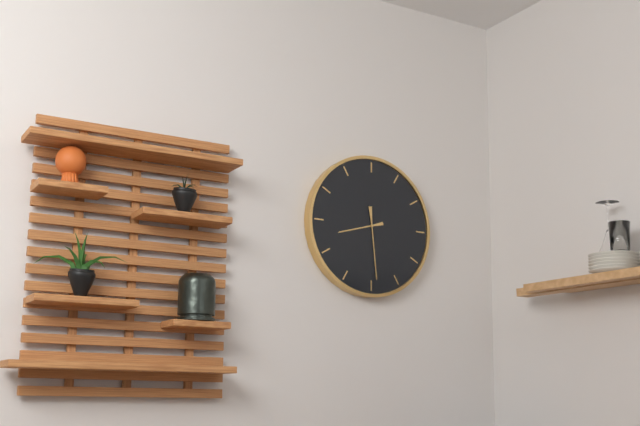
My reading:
**8:29**
